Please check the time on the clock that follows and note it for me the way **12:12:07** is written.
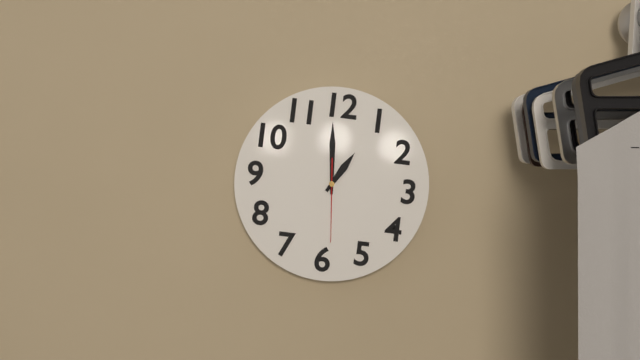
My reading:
**12:59:29**
